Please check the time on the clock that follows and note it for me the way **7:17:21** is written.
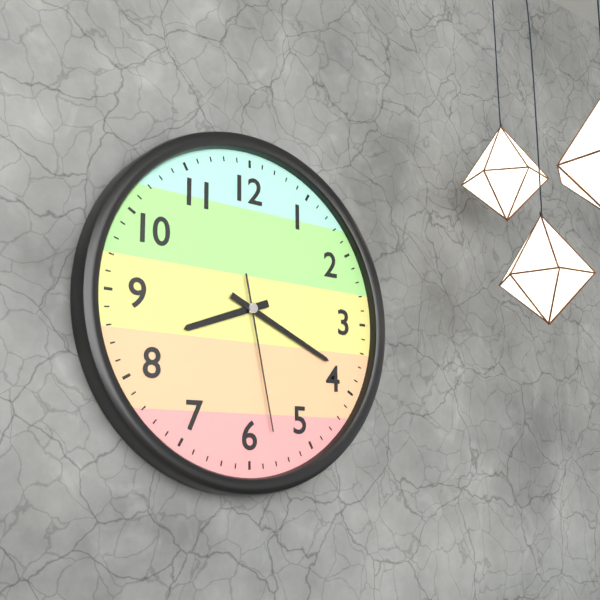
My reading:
**8:19:28**
